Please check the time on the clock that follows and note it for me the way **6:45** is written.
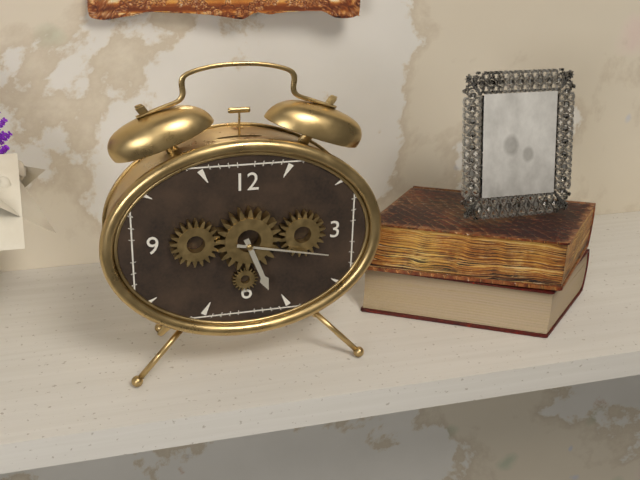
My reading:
**5:17**
